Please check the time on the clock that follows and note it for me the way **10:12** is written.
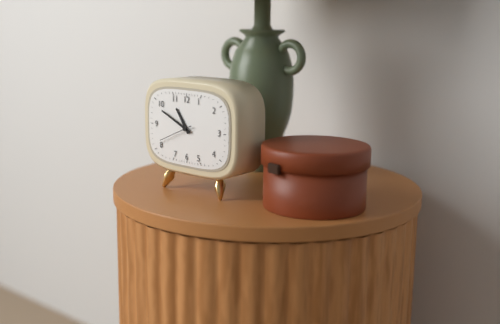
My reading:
**10:49**
